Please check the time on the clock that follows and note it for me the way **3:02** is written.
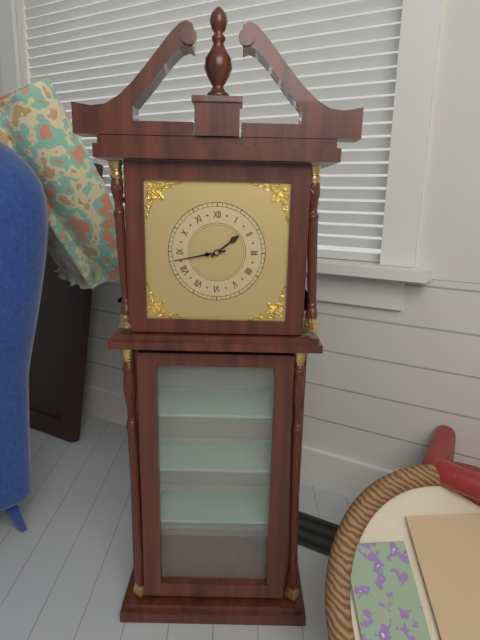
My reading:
**1:43**
